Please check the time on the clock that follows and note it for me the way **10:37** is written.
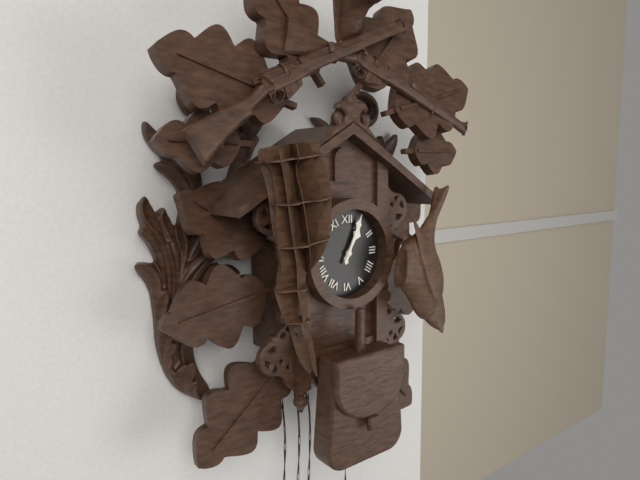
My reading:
**1:04**
